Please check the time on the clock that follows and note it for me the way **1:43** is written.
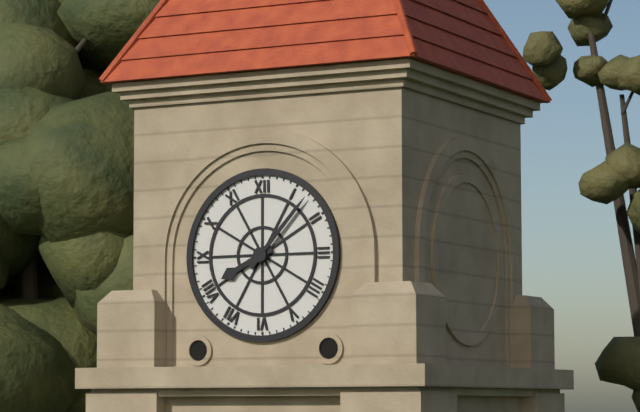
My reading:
**8:07**
